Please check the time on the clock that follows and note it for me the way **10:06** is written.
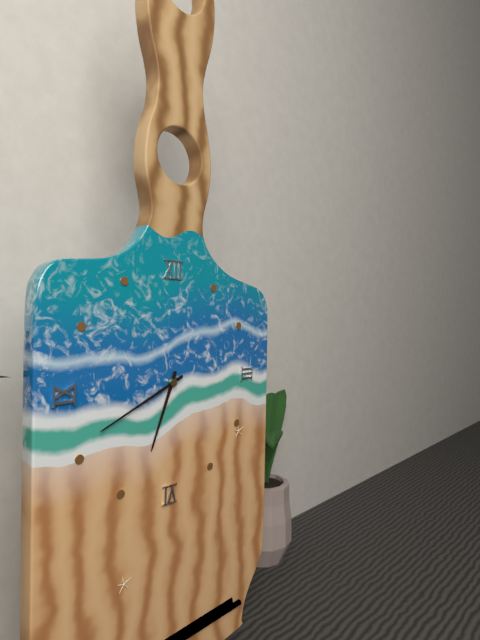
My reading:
**6:41**
